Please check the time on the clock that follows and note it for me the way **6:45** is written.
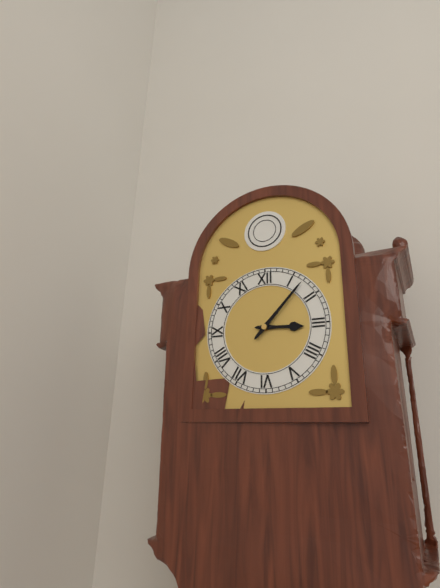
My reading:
**3:07**
